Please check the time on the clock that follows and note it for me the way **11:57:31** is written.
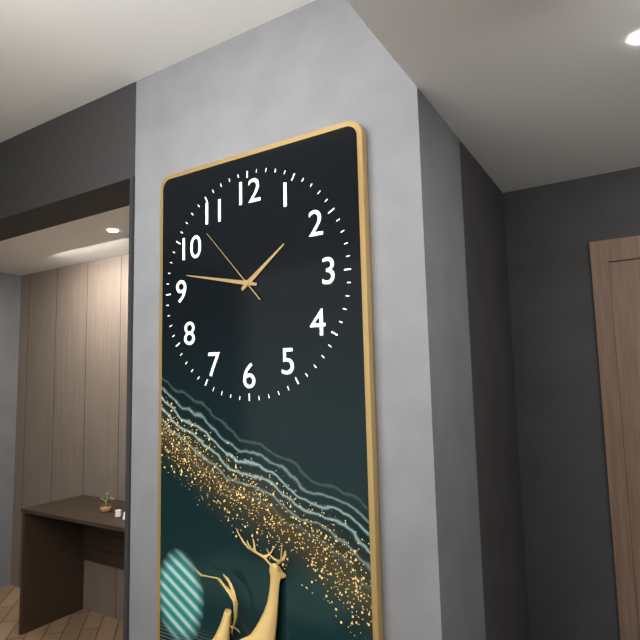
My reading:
**1:47:53**
